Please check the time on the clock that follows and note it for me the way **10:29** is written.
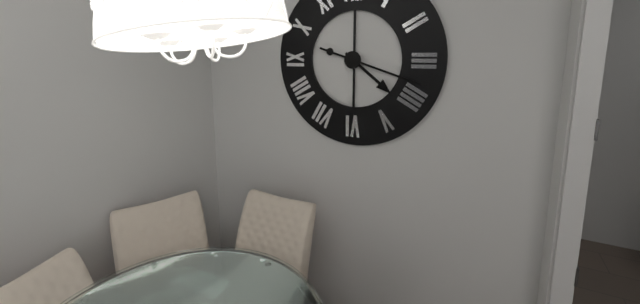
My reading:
**4:18**
